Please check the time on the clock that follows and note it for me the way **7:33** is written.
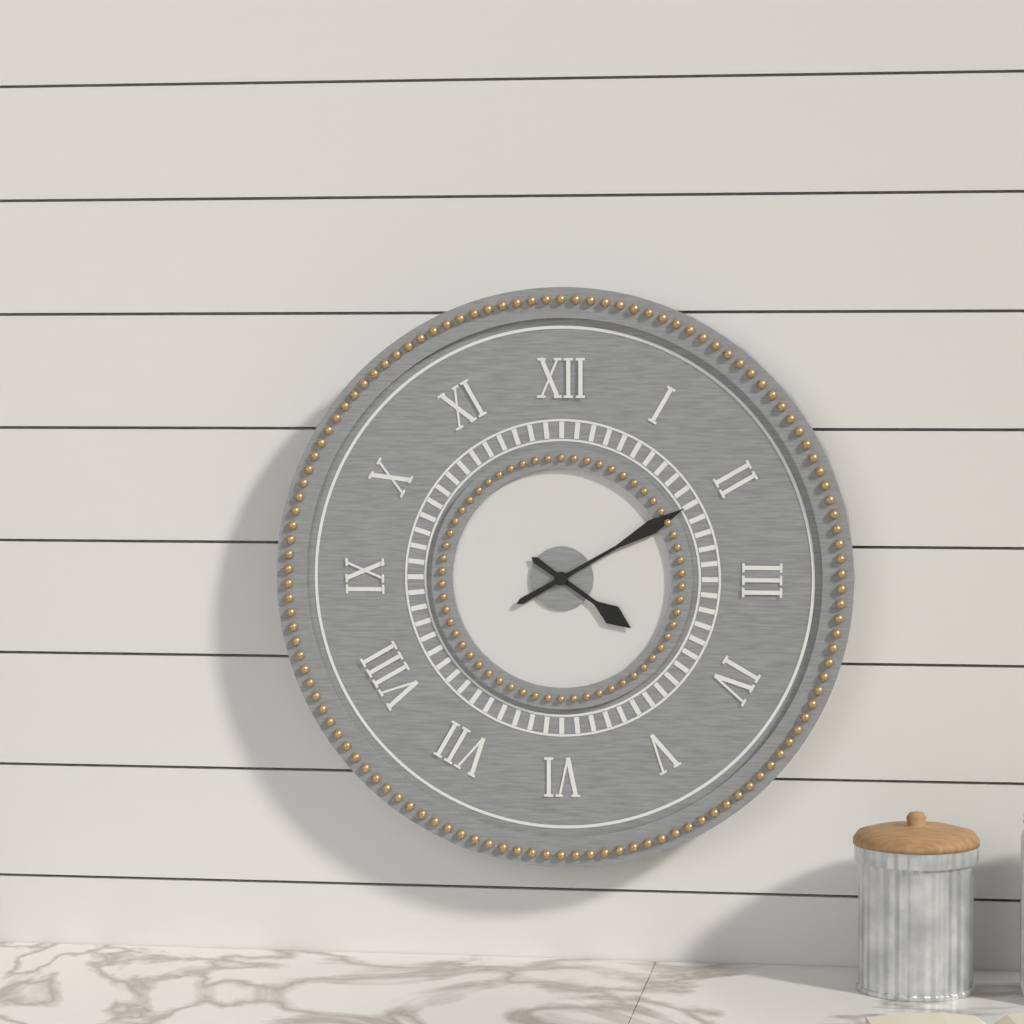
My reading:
**4:10**
